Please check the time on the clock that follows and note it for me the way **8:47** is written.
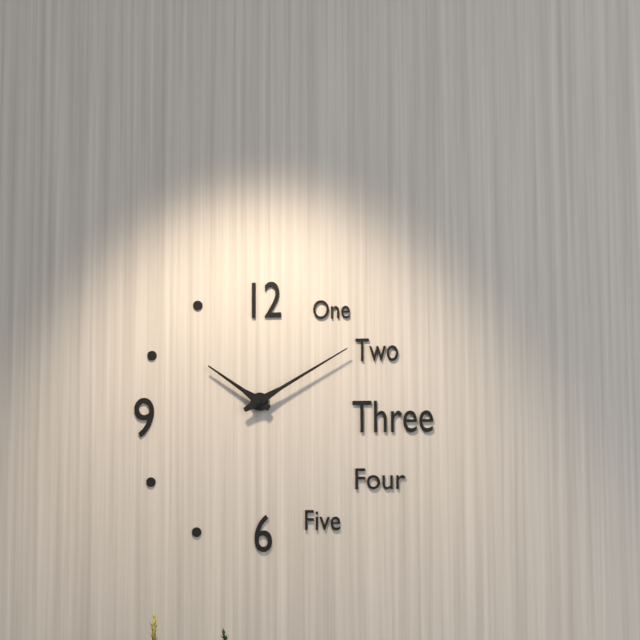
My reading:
**10:10**
